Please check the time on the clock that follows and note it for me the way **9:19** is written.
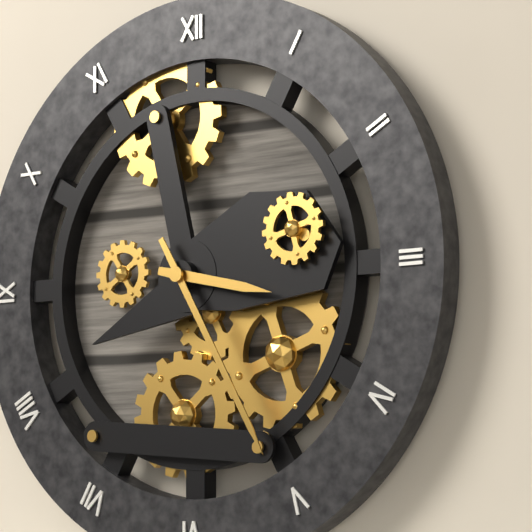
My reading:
**3:25**
